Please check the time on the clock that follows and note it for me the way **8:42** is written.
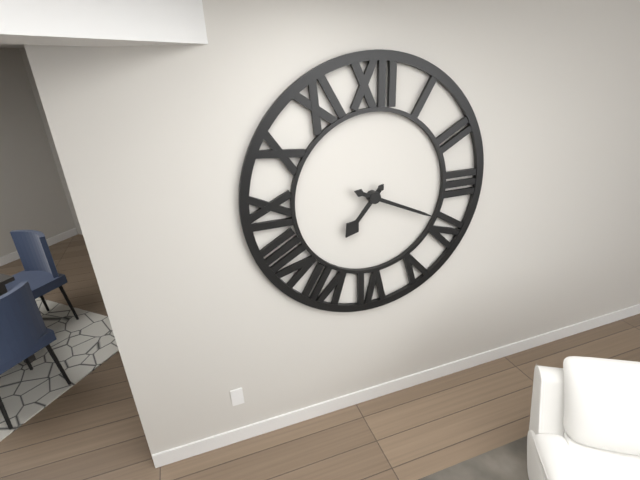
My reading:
**7:19**
